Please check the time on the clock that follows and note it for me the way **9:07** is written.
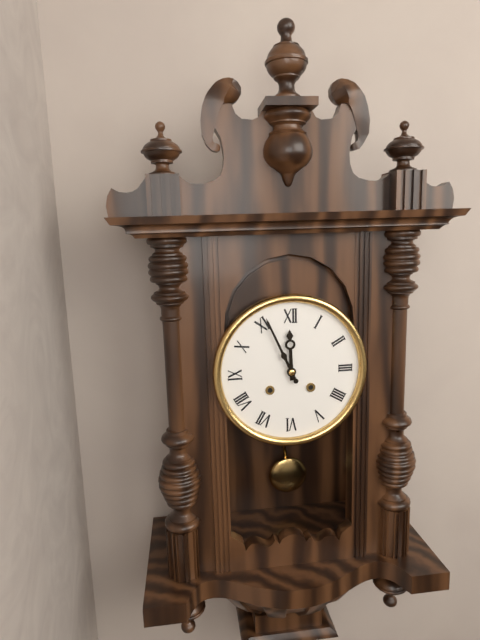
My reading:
**11:56**
